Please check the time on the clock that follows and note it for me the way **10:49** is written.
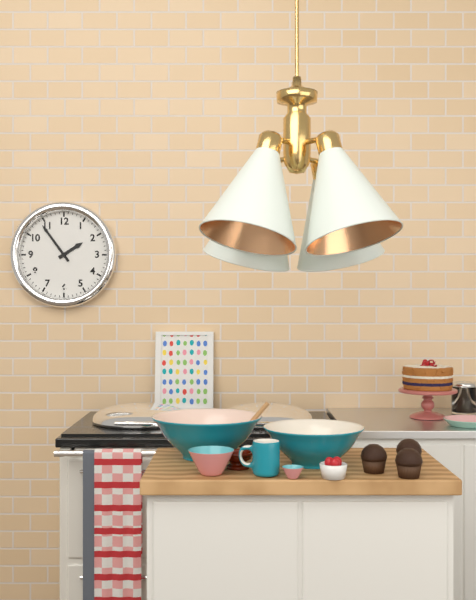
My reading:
**1:54**
